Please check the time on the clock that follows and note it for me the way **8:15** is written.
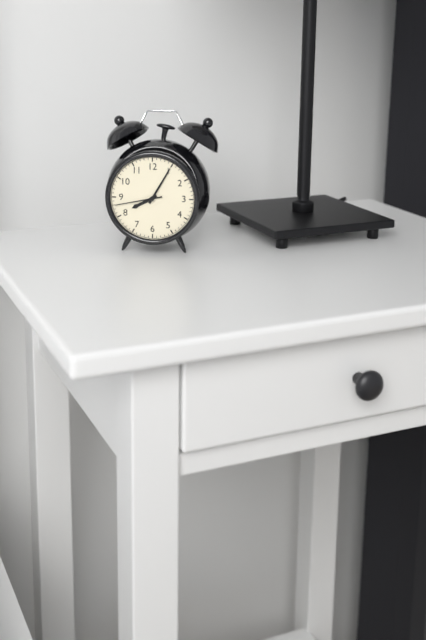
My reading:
**8:05**
